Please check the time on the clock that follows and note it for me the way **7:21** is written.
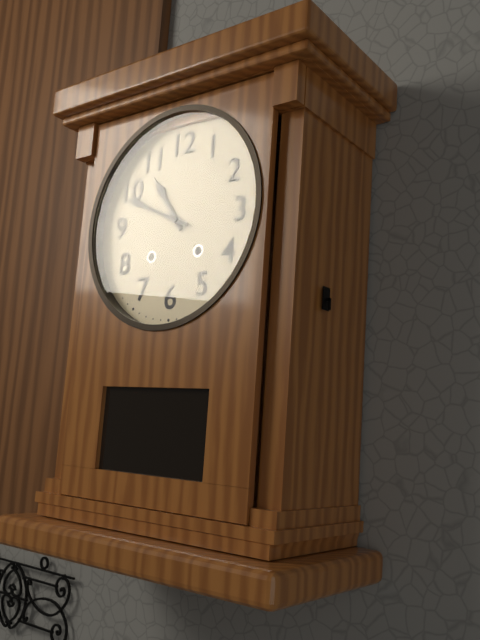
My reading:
**10:49**
